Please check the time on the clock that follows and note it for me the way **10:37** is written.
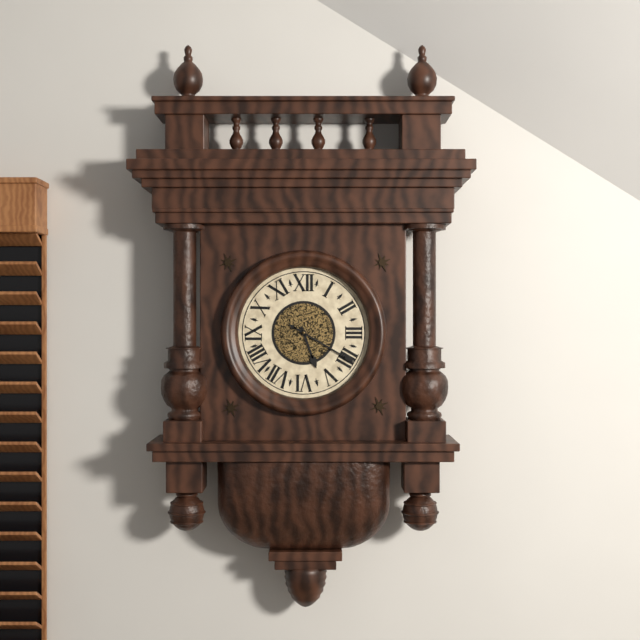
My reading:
**5:20**
